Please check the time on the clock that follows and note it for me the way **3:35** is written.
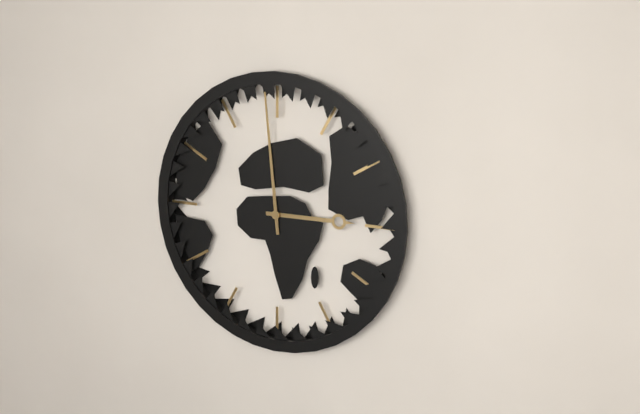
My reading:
**2:59**
